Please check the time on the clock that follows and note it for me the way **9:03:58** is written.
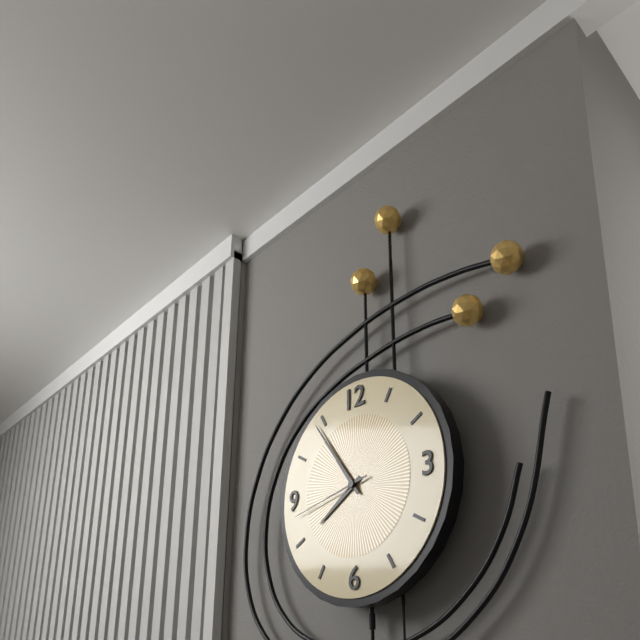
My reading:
**7:54:43**
